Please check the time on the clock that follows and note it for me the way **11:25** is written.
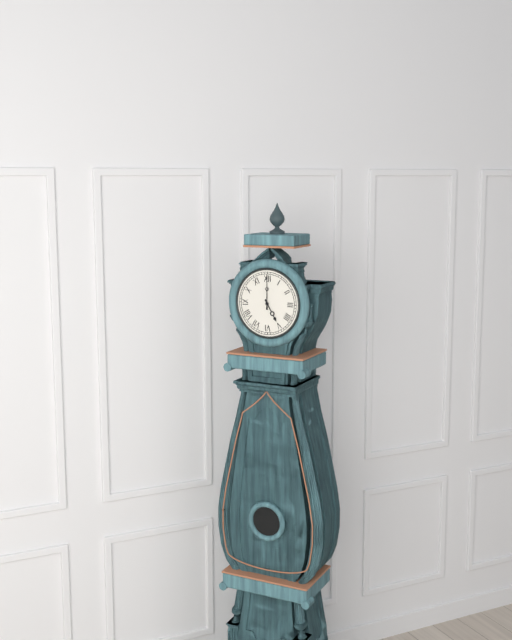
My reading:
**5:00**
